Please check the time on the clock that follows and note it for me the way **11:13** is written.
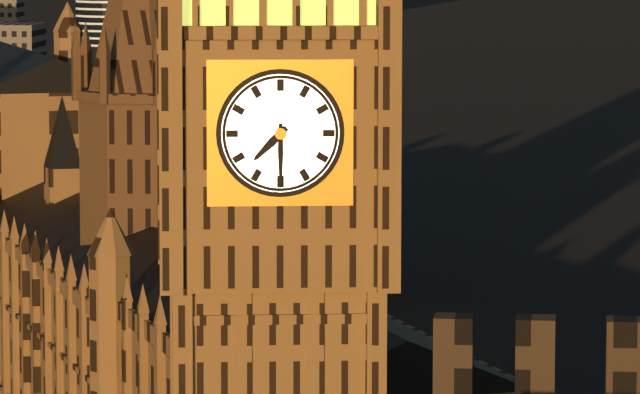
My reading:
**7:30**
